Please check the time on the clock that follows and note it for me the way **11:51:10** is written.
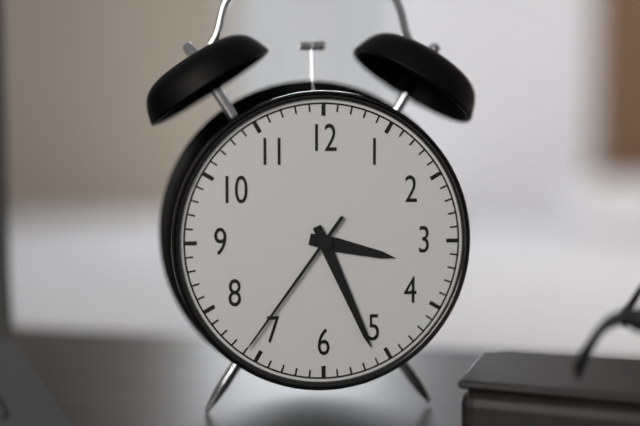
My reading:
**3:26:36**
